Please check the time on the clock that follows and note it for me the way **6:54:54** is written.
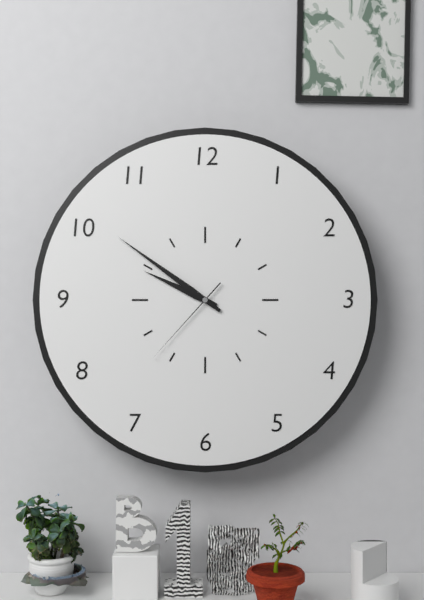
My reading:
**9:51:37**
